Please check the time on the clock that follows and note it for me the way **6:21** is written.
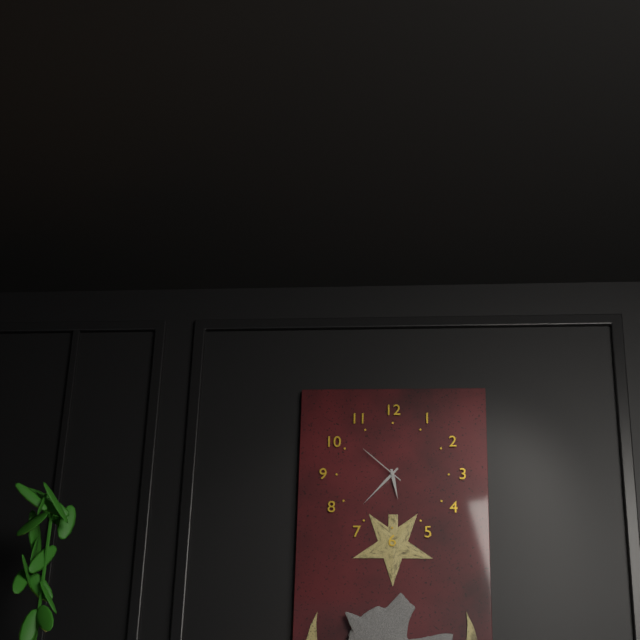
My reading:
**5:37**
